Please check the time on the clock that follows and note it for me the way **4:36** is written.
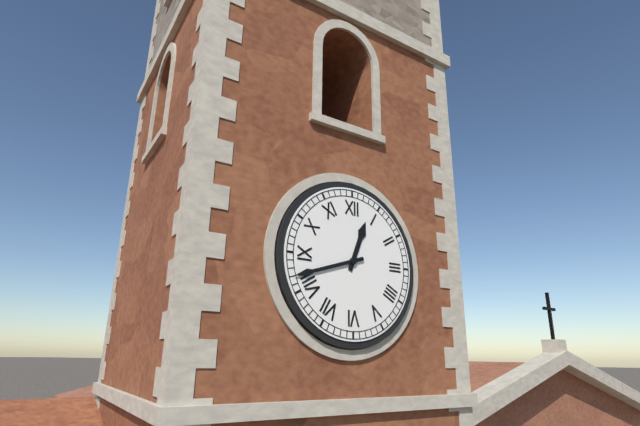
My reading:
**12:42**
